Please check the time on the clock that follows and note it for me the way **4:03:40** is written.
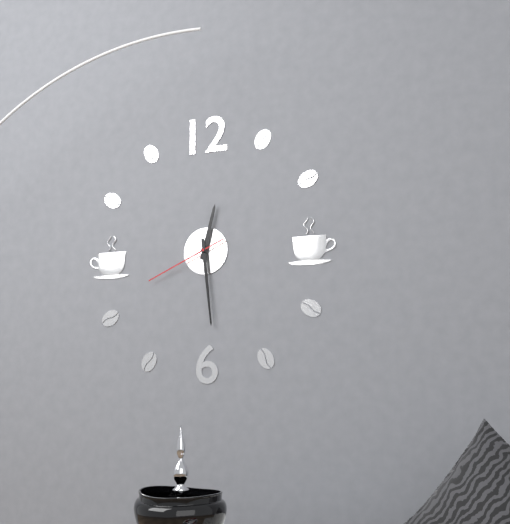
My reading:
**12:29:41**
